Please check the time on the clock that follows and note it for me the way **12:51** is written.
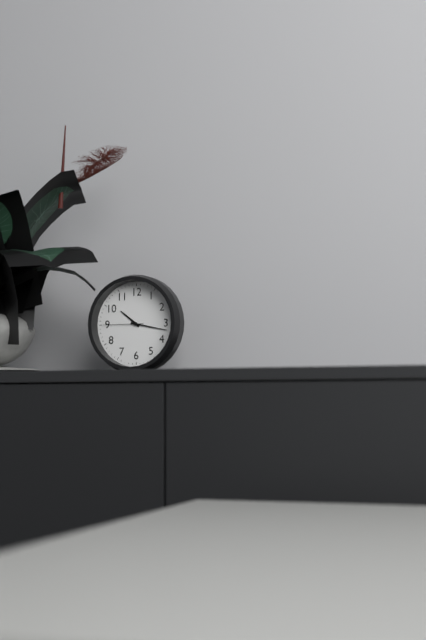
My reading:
**10:17**
